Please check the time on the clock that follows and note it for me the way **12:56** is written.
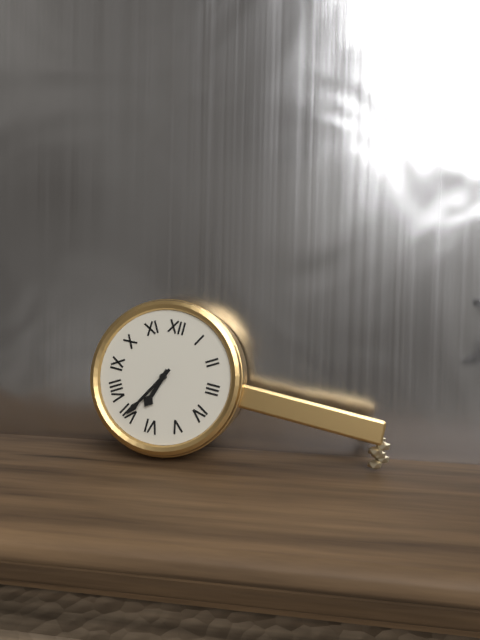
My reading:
**6:35**
